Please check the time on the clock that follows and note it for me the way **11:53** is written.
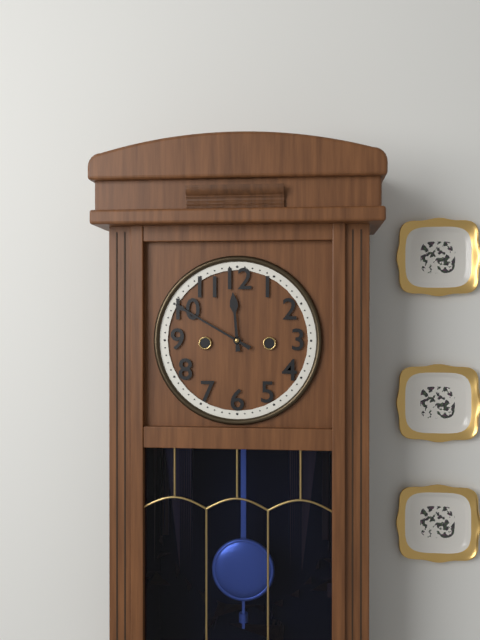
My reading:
**11:50**
